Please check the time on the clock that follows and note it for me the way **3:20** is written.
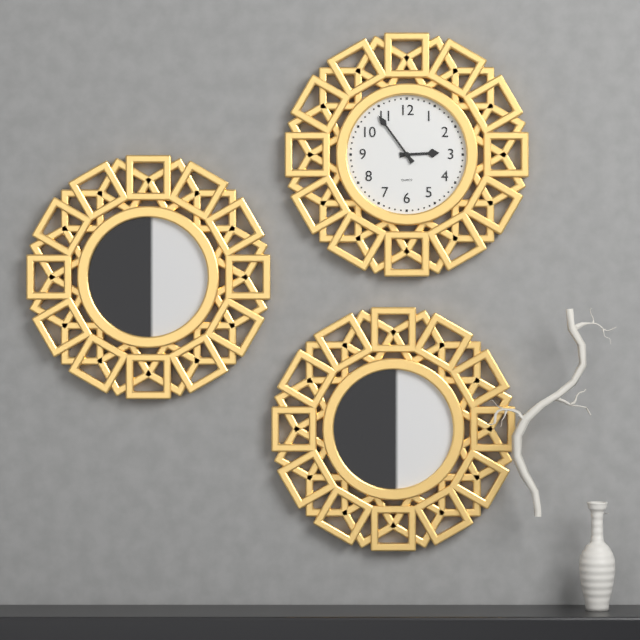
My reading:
**2:54**
